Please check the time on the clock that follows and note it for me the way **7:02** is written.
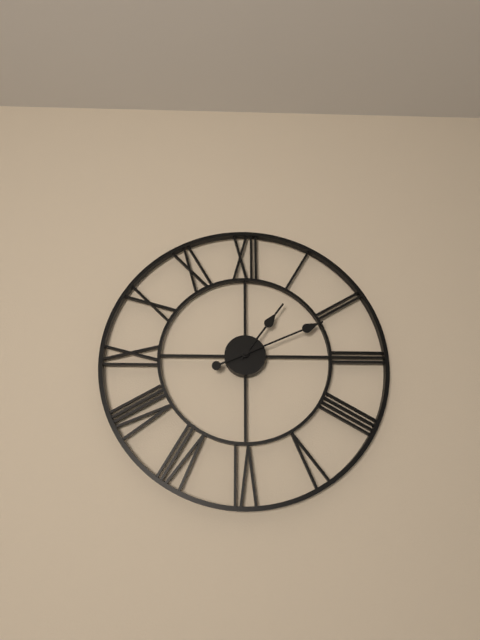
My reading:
**1:11**
